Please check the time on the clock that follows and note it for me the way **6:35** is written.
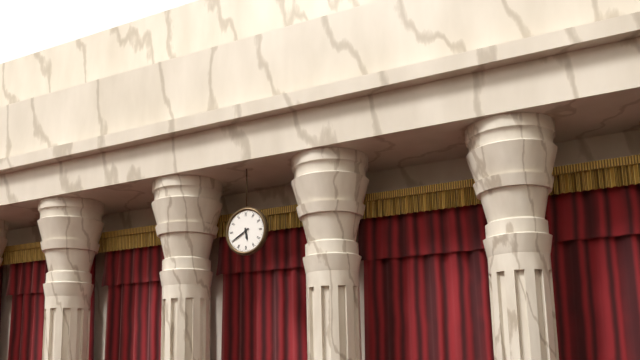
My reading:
**5:40**
